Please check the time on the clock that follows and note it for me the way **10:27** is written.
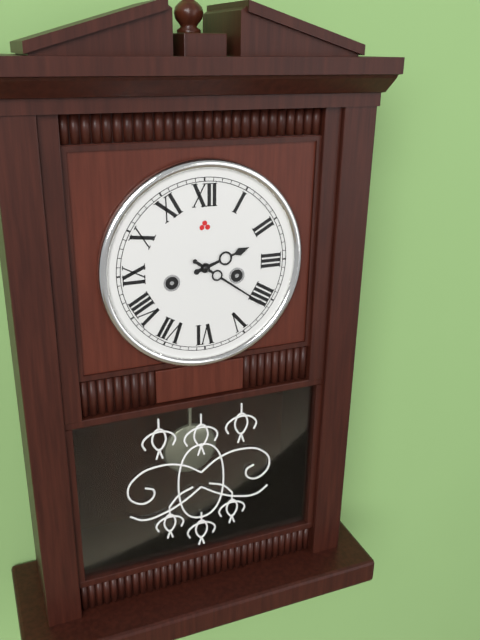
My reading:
**2:21**
